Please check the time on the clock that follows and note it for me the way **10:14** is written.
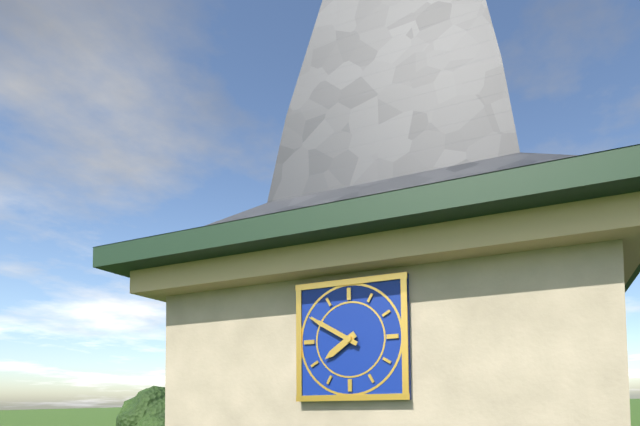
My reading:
**7:50**
